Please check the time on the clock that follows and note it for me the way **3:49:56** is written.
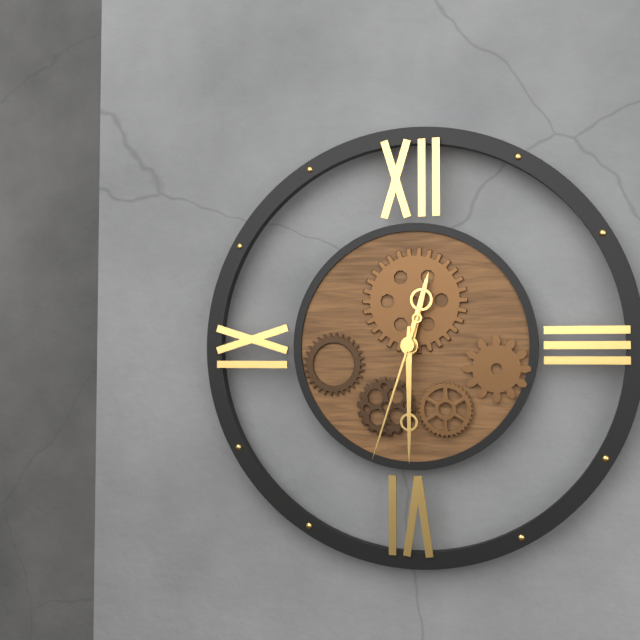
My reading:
**12:30:33**
